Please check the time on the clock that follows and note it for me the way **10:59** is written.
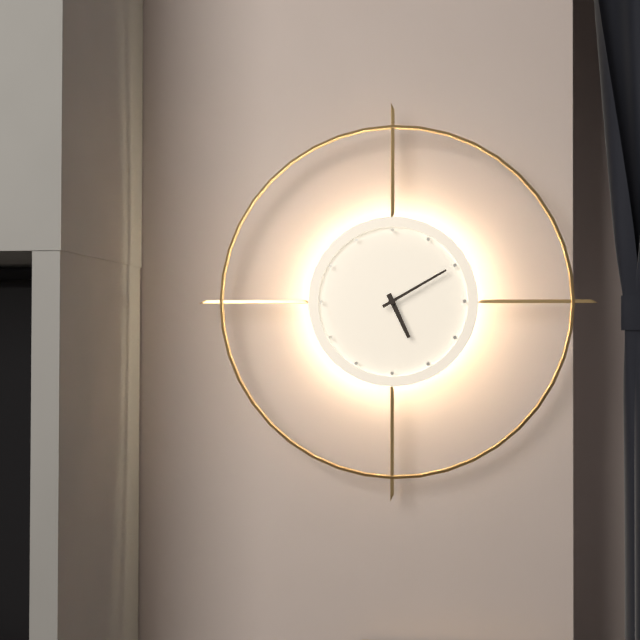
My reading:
**5:10**
